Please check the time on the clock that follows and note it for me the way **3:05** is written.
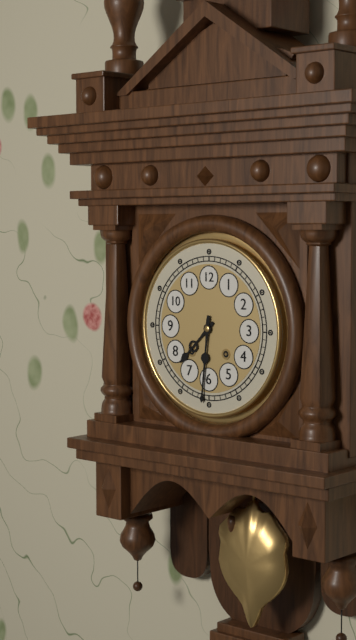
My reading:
**7:31**
